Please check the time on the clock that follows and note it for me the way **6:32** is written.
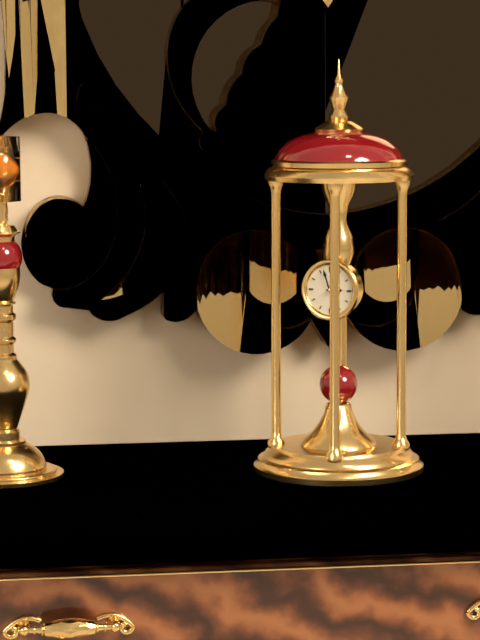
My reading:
**2:57**
